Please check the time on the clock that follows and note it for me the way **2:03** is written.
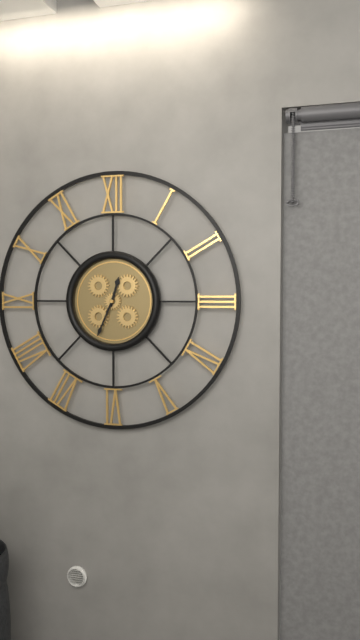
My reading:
**12:34**
